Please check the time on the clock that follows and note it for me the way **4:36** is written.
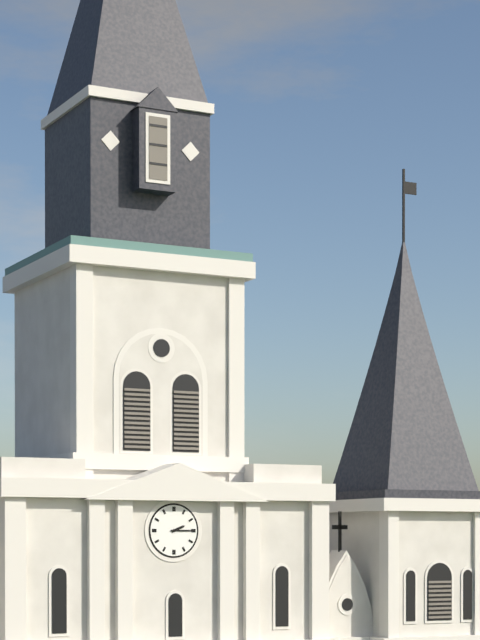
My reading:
**2:15**
